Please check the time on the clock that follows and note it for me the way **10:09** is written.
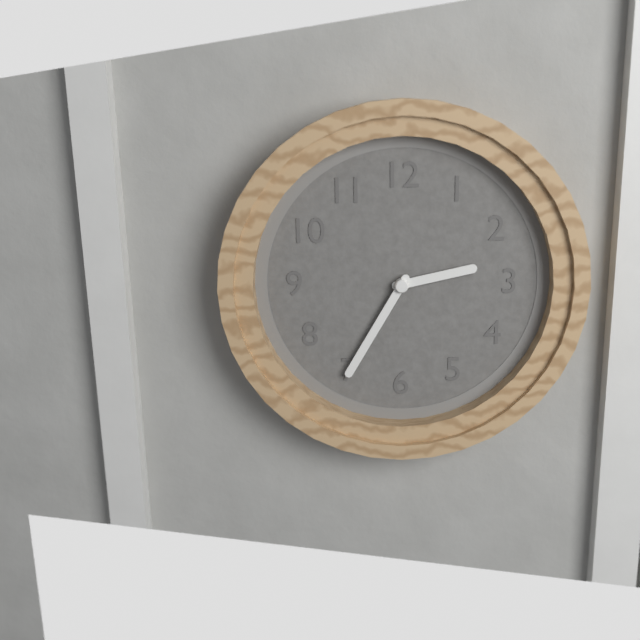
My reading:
**2:35**
